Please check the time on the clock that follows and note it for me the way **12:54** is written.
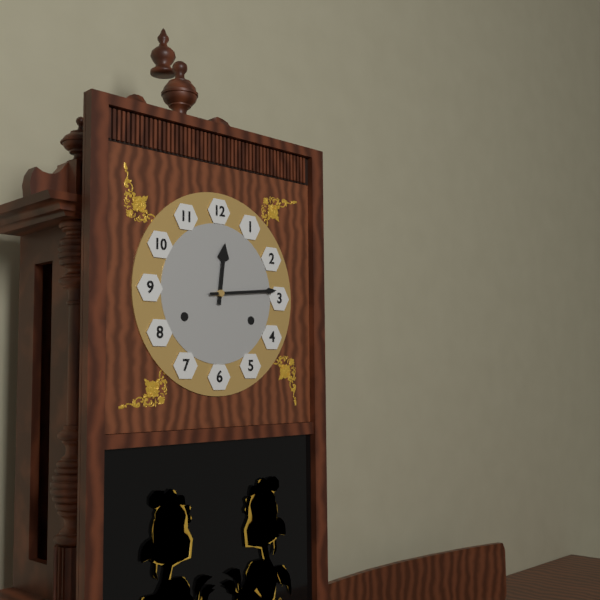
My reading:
**12:14**
